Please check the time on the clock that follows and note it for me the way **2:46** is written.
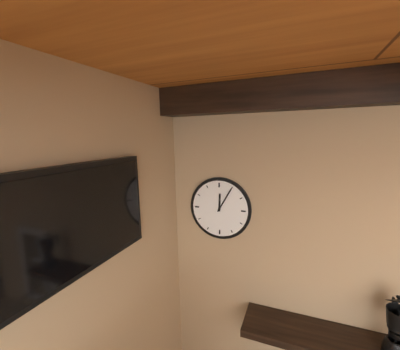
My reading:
**12:05**
